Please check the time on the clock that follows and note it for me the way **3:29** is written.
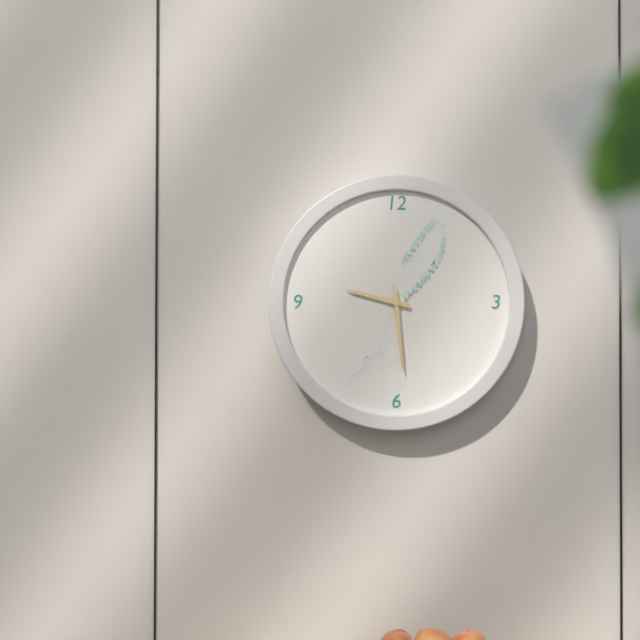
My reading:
**9:29**
